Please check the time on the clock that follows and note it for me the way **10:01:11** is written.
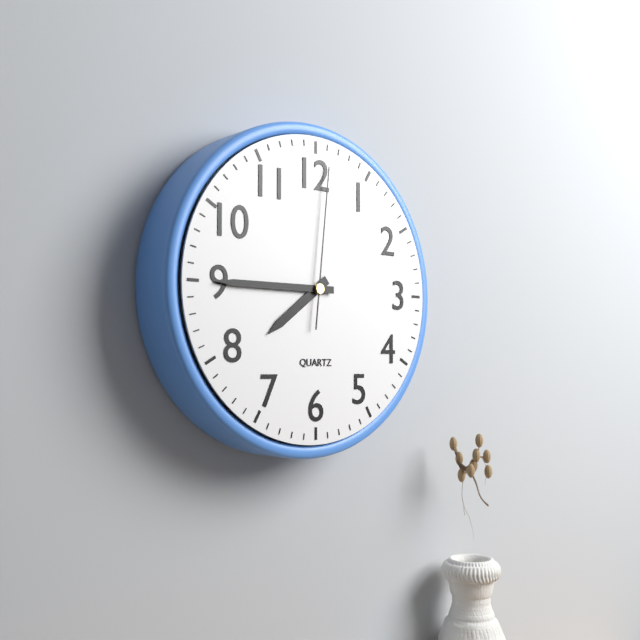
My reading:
**7:45:01**
